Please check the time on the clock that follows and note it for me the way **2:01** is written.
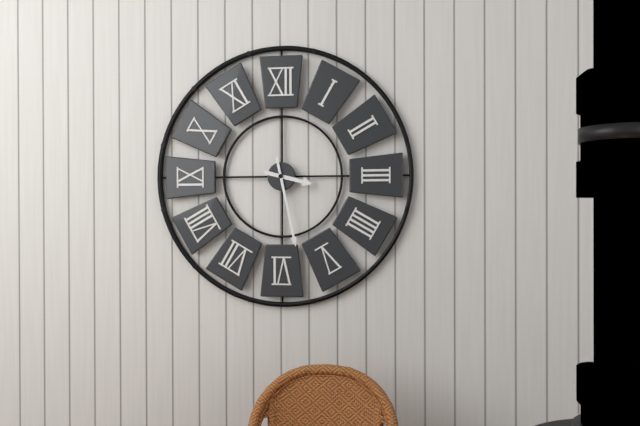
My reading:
**3:28**
